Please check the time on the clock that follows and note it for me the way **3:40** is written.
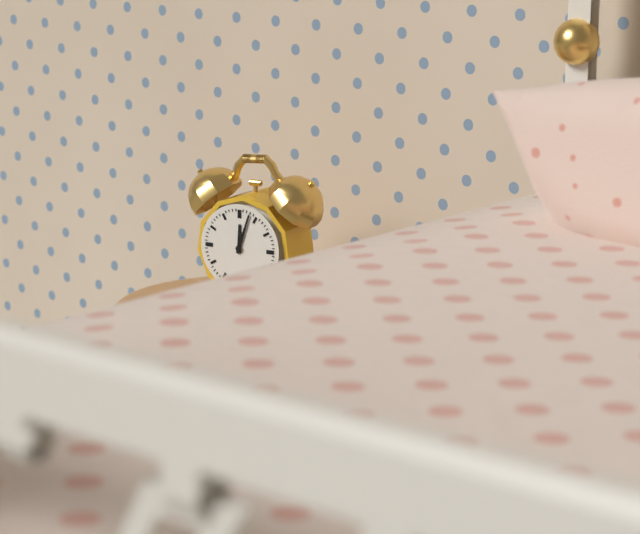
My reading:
**12:03**
